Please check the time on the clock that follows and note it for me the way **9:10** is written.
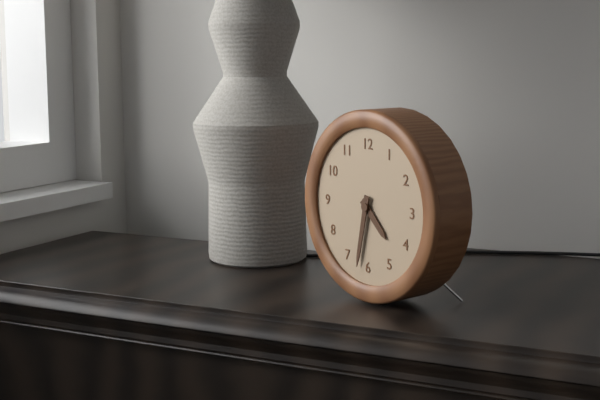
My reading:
**4:32**
